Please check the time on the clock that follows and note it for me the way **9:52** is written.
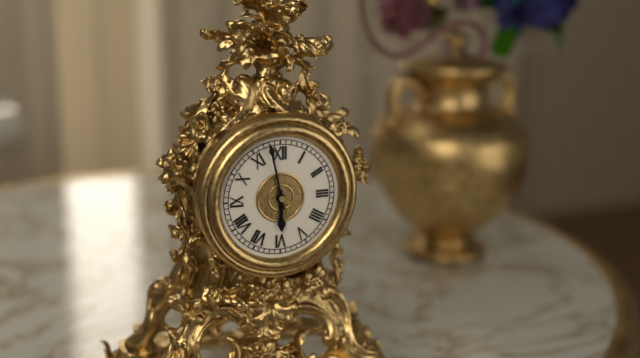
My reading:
**5:58**
